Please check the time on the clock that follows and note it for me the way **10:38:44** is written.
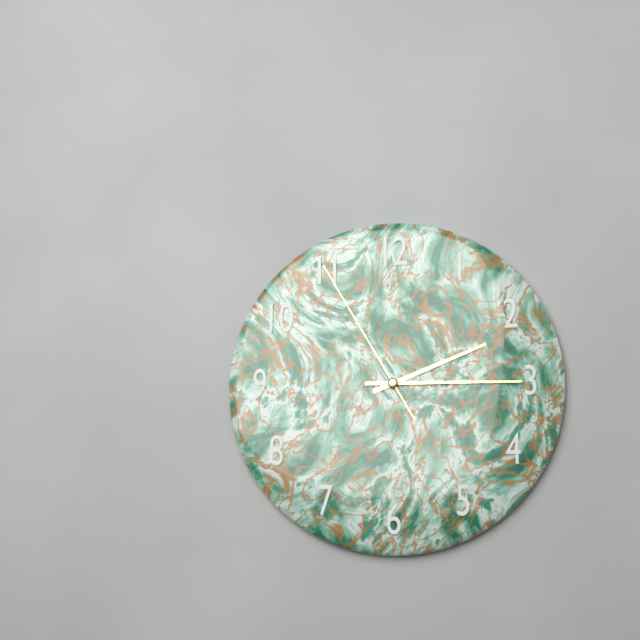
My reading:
**2:15:55**
